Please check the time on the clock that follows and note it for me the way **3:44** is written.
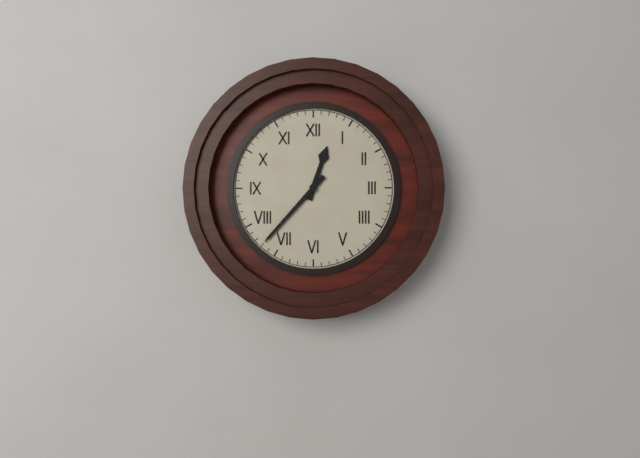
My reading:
**12:37**
